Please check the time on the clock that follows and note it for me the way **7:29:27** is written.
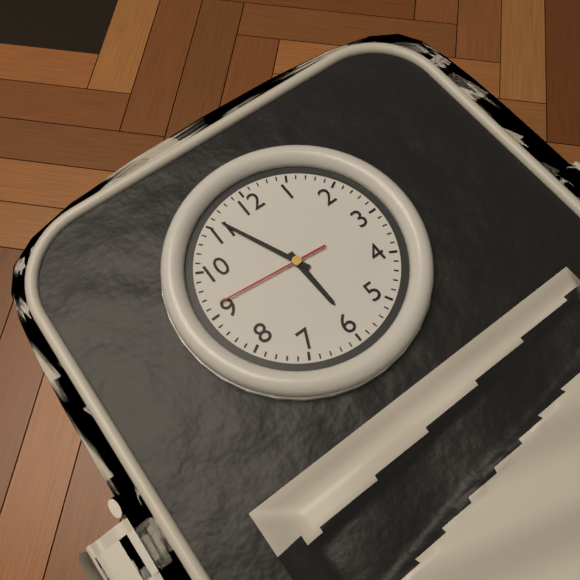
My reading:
**5:56:46**
